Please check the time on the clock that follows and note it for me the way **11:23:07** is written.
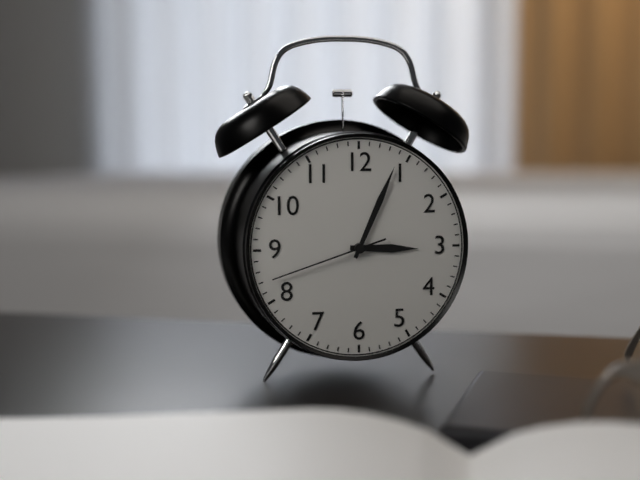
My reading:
**3:04:42**
